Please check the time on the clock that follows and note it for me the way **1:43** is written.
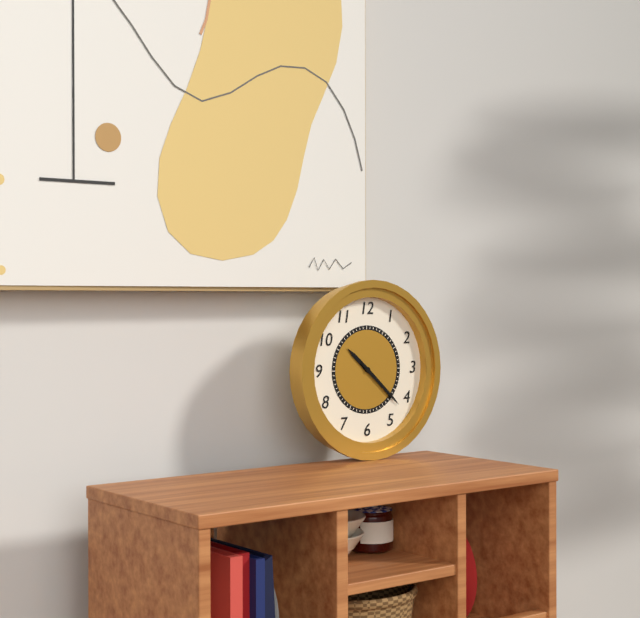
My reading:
**10:22**
